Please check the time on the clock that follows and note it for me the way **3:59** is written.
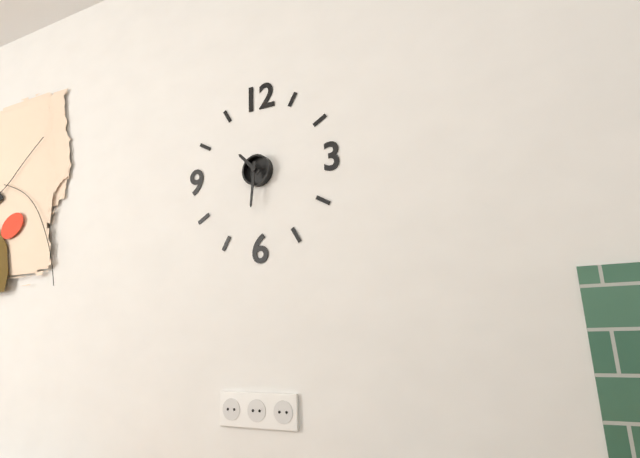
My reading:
**10:31**
